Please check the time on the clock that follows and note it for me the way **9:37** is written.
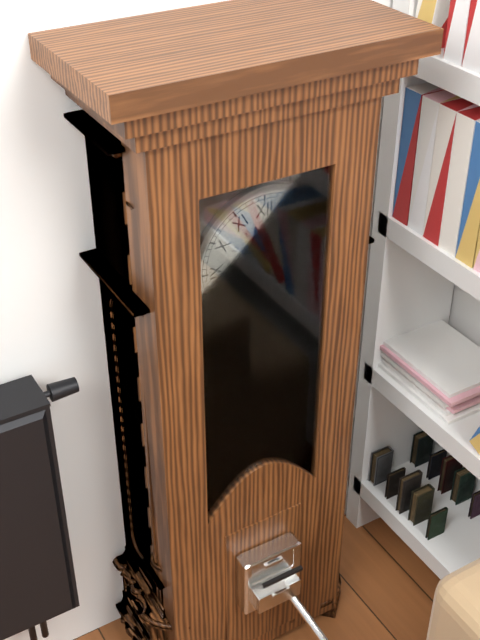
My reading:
**11:29**
